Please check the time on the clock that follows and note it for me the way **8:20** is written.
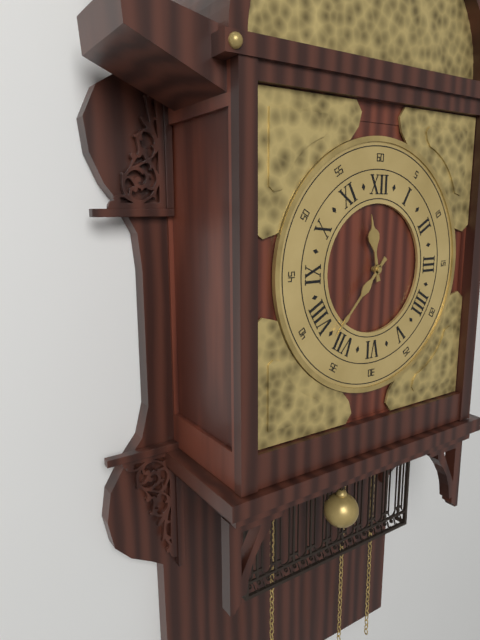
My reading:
**11:37**
